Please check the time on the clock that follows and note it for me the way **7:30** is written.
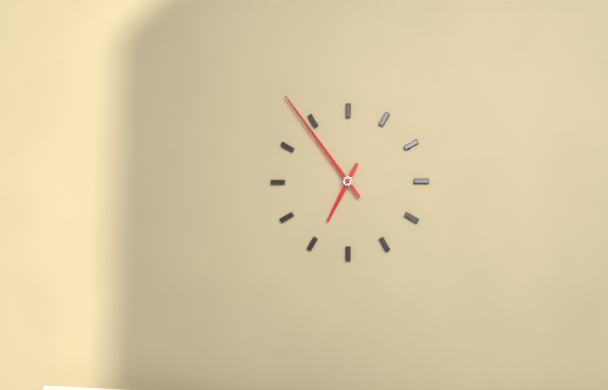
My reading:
**6:54**
